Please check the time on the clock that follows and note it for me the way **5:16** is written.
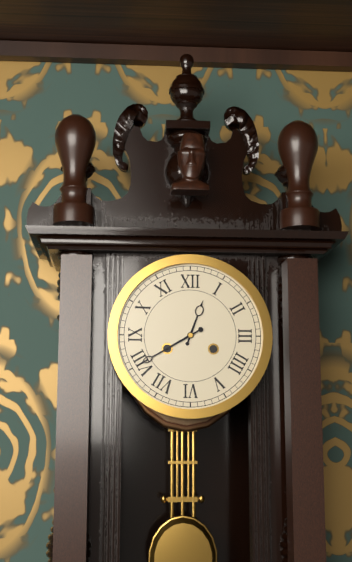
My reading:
**12:40**
